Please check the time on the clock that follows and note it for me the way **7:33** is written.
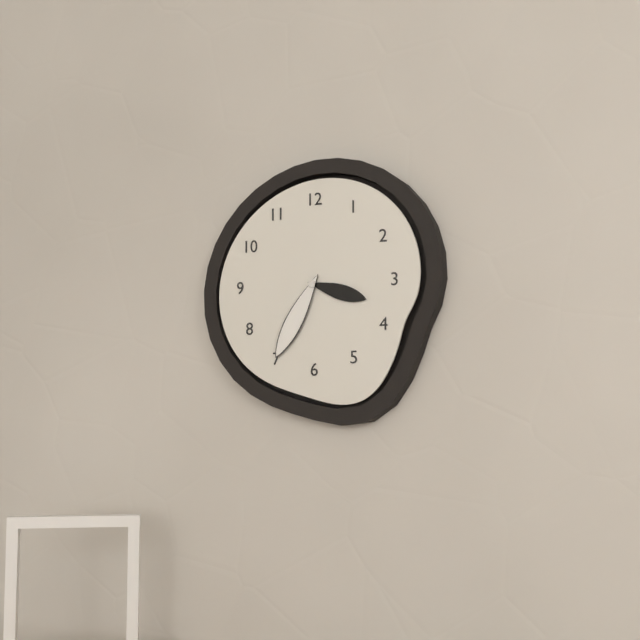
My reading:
**3:35**
